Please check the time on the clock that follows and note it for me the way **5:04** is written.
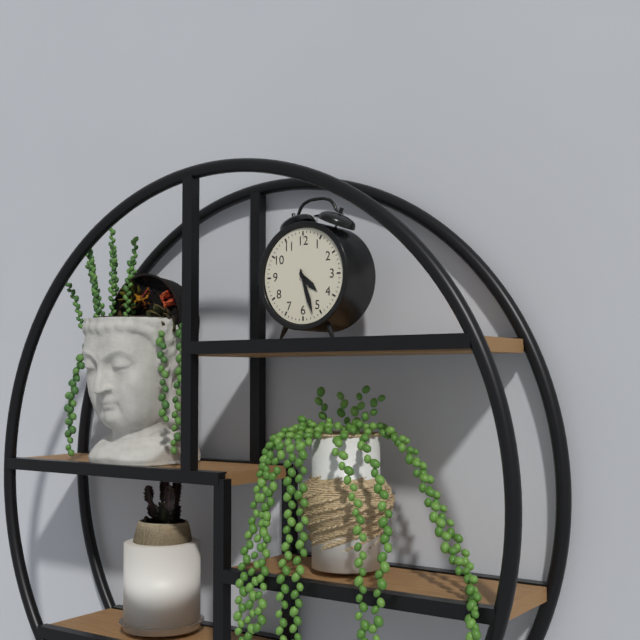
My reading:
**4:27**
